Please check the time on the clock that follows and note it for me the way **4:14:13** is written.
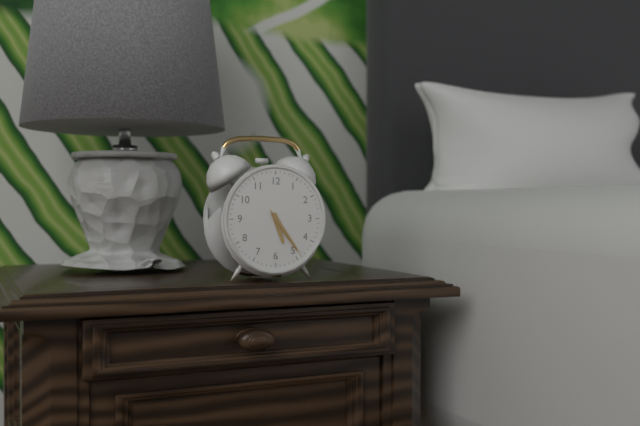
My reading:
**5:24:24**
